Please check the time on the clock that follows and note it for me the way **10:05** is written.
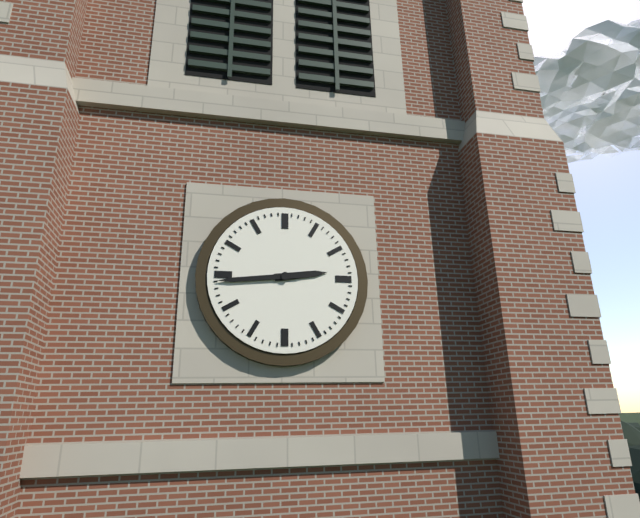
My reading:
**2:44**
